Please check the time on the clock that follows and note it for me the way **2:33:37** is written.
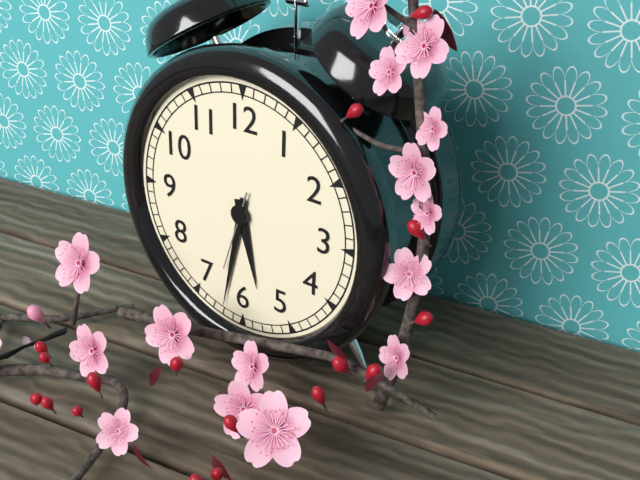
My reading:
**5:32:33**
